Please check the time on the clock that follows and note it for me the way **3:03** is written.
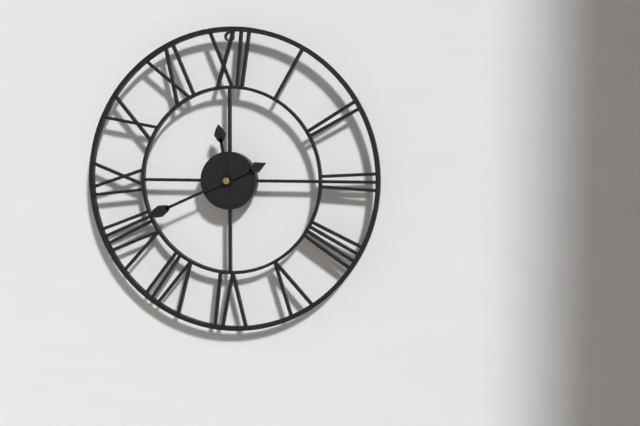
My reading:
**11:41**
